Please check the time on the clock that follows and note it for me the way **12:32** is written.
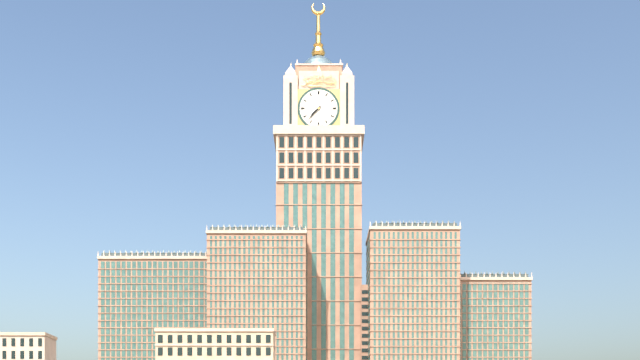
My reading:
**7:37**
